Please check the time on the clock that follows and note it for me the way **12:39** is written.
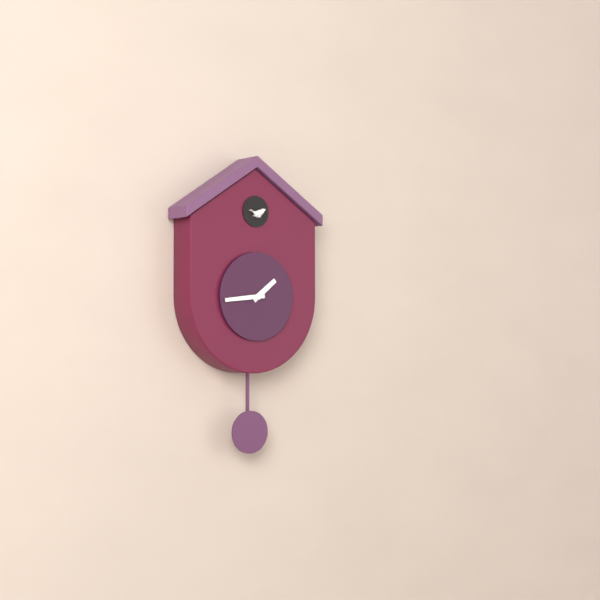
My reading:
**1:44**
